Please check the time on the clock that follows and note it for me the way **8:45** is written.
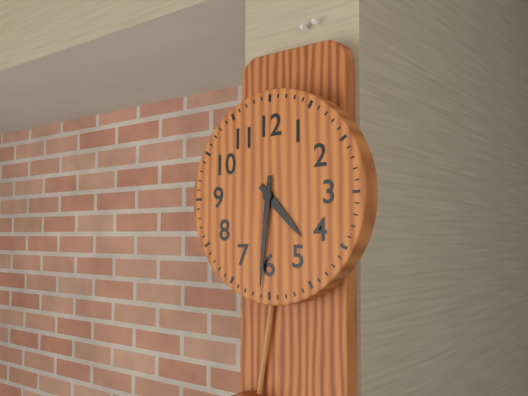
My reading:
**4:31**
